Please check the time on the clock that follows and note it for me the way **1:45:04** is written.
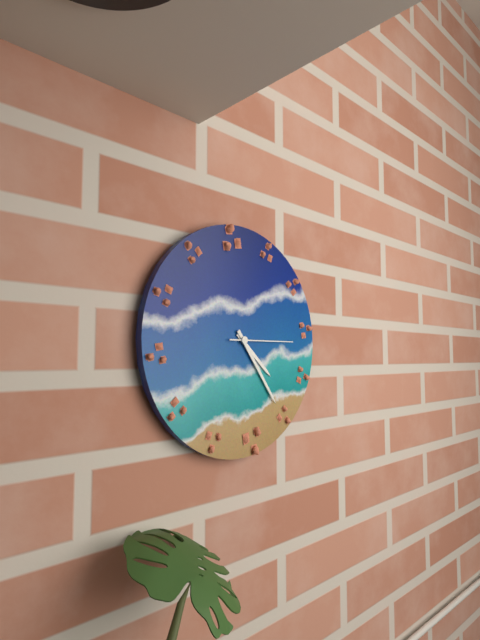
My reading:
**4:24:15**
